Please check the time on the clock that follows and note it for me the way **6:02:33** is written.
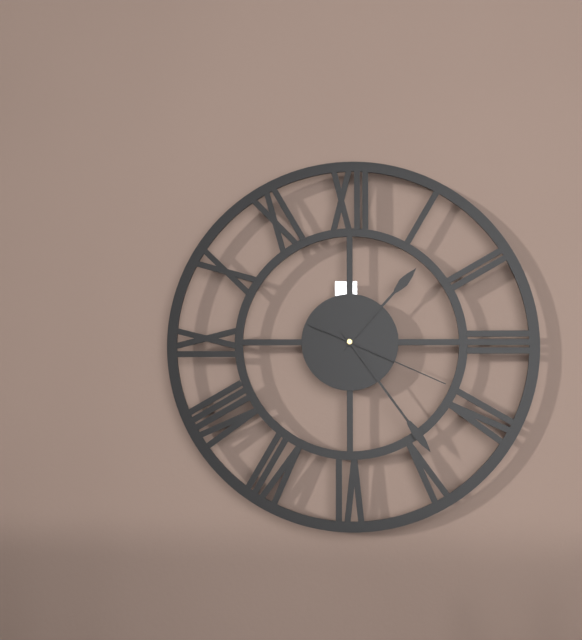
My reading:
**1:24:19**
